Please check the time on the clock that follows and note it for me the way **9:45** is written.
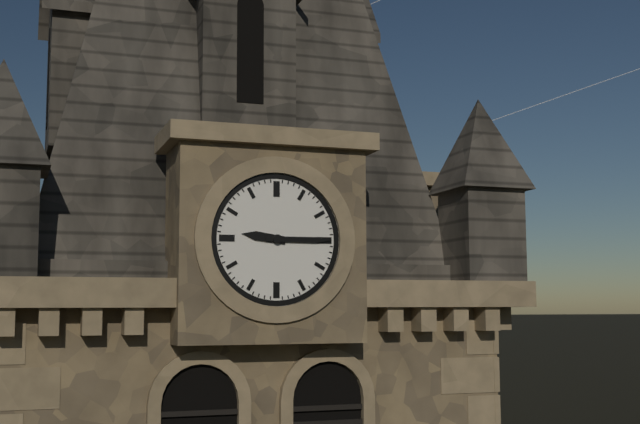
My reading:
**9:15**
